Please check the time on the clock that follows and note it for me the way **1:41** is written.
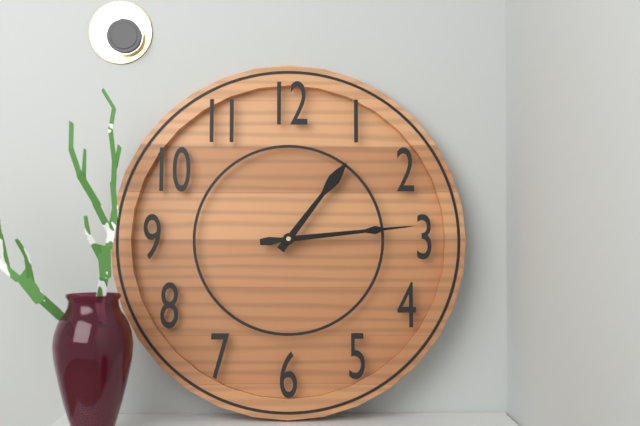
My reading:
**1:14**
